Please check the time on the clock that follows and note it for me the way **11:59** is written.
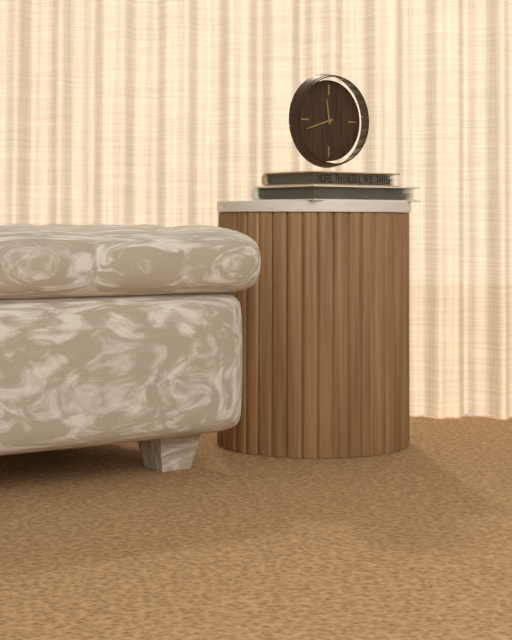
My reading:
**11:42**
